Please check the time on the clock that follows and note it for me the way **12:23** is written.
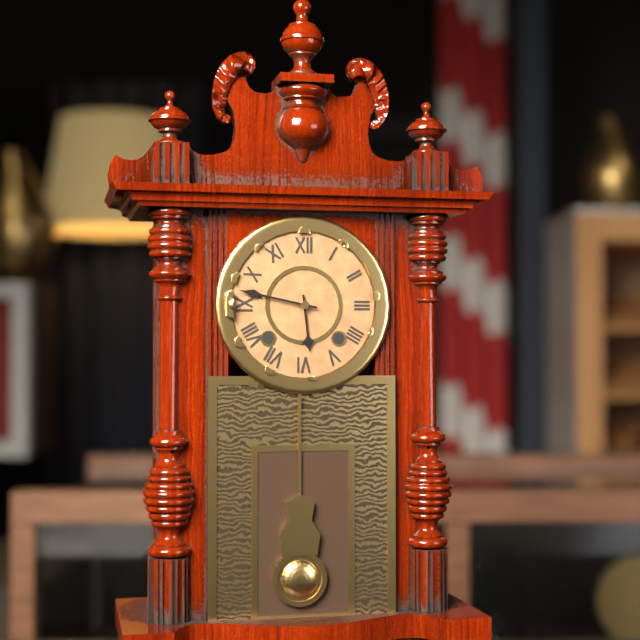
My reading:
**5:47**
